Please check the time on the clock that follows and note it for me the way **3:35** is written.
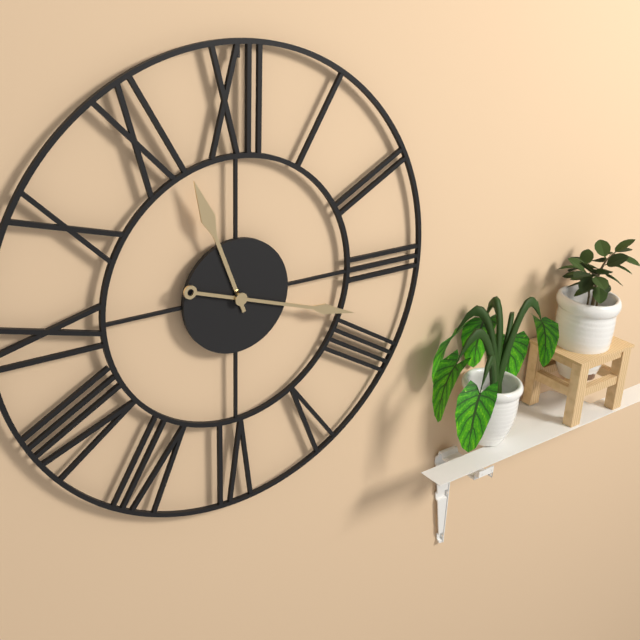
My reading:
**11:18**
